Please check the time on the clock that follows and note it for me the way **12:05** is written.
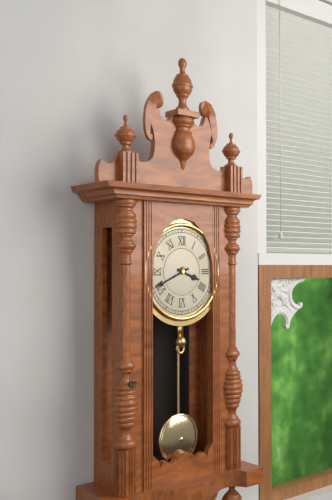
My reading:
**3:41**
